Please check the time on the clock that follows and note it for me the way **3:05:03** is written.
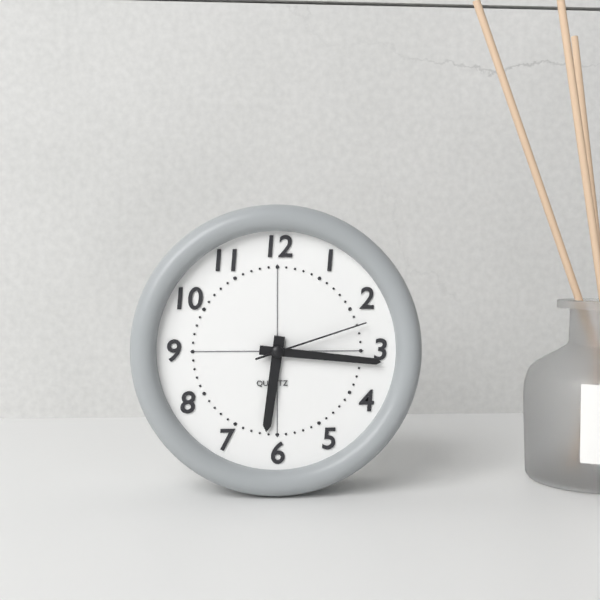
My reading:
**6:16:12**
